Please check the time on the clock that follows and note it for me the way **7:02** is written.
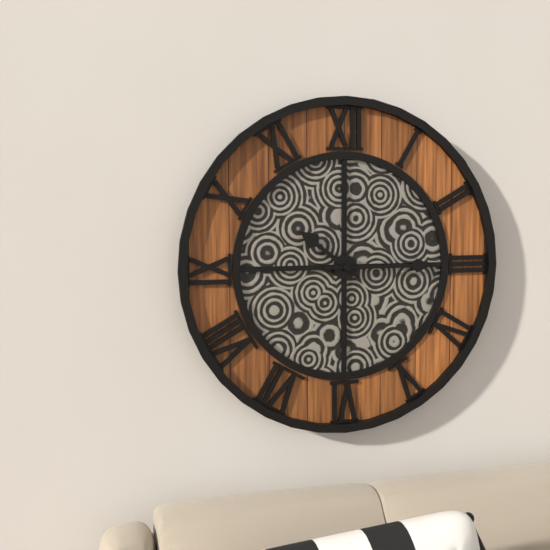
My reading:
**10:15**
